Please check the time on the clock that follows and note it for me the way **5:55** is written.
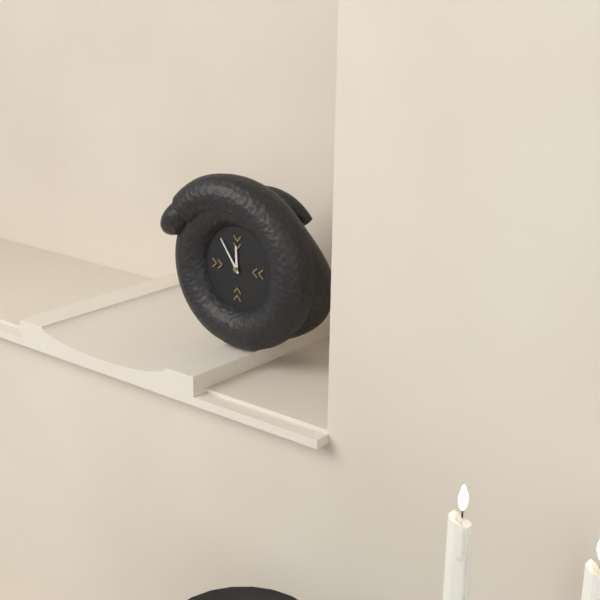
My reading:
**11:54**
